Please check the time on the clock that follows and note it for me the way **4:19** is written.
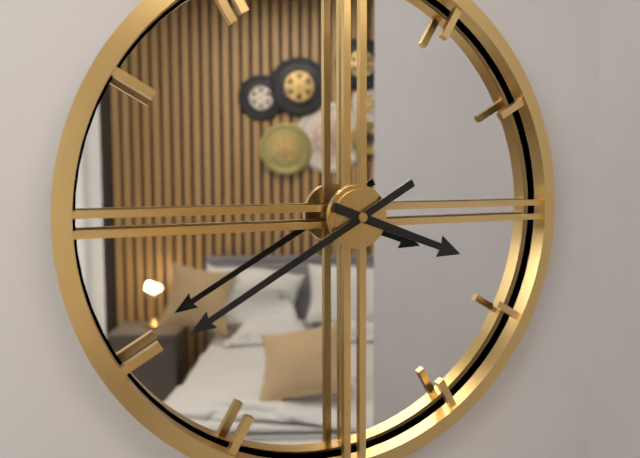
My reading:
**3:40**
